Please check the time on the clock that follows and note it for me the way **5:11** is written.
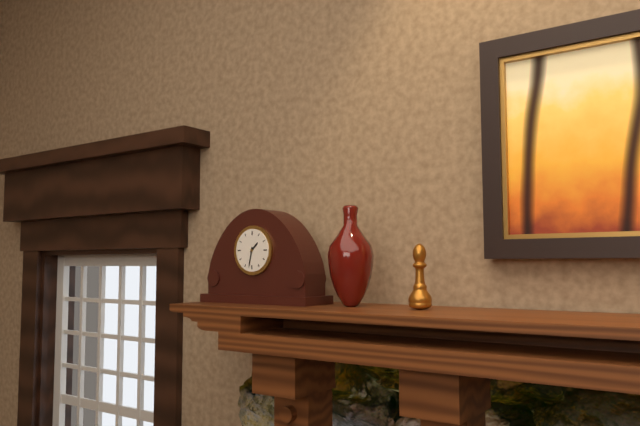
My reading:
**1:32**
